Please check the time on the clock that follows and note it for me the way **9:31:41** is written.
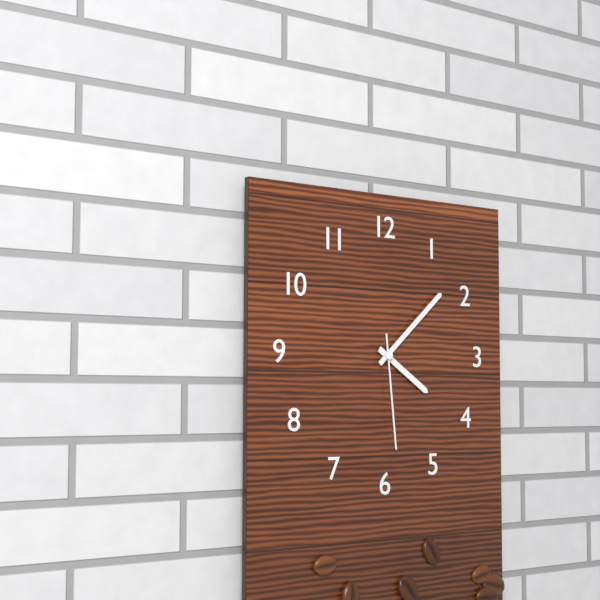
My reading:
**4:08:29**
